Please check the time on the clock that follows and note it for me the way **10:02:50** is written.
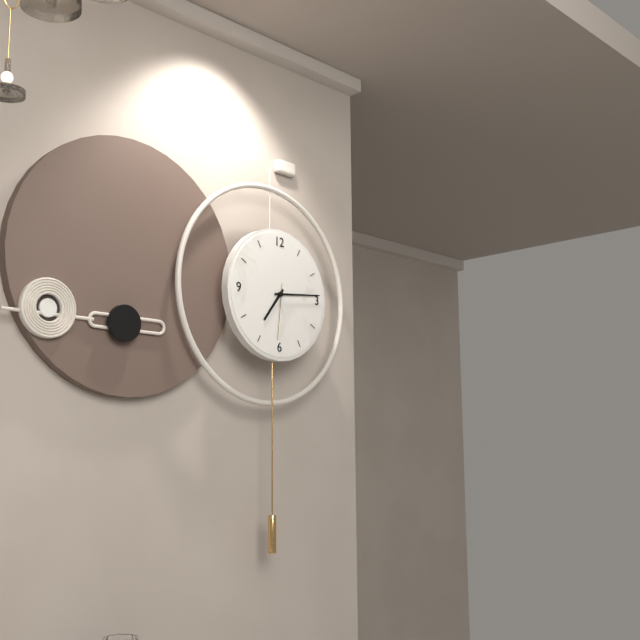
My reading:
**7:14:31**
